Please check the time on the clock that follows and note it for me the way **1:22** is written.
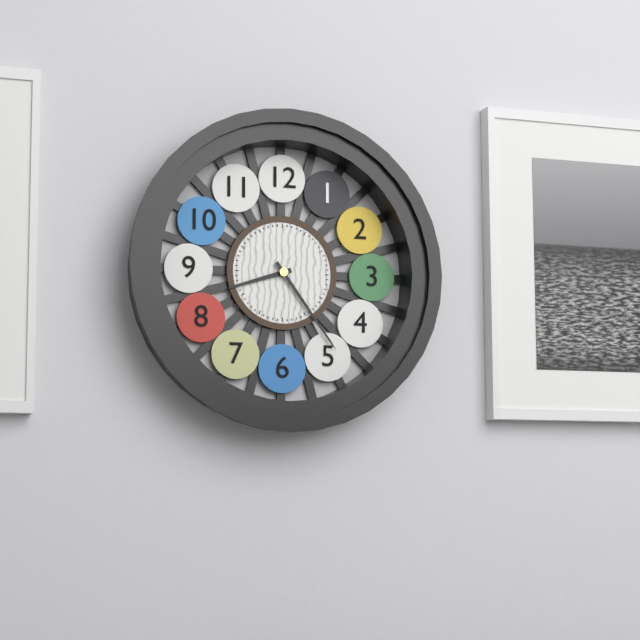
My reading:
**8:24**
